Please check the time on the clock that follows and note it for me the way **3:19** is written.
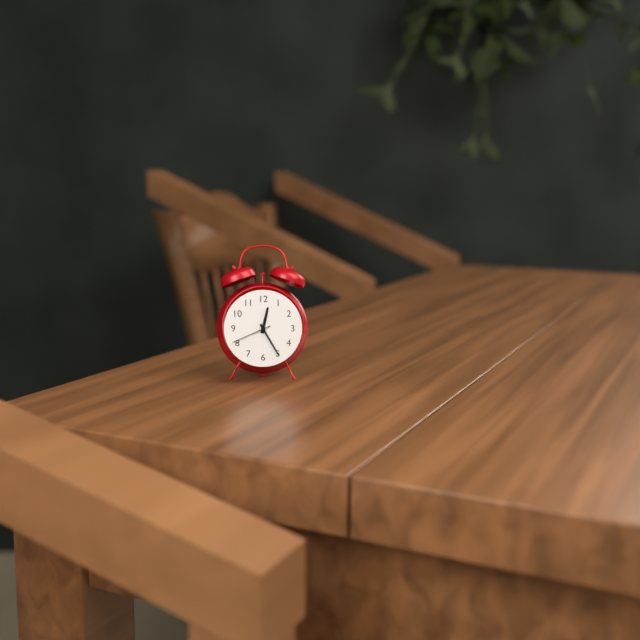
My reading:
**12:25**
